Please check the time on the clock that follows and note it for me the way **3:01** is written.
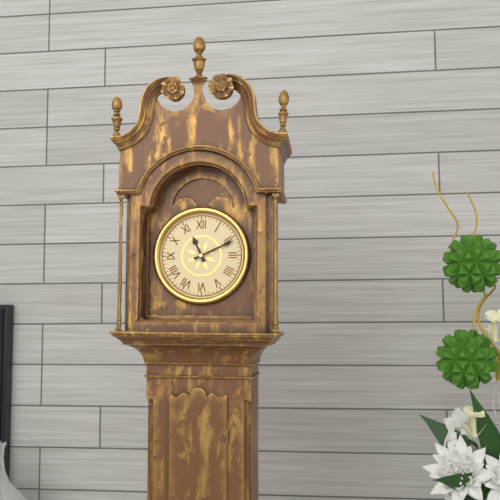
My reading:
**11:11**
